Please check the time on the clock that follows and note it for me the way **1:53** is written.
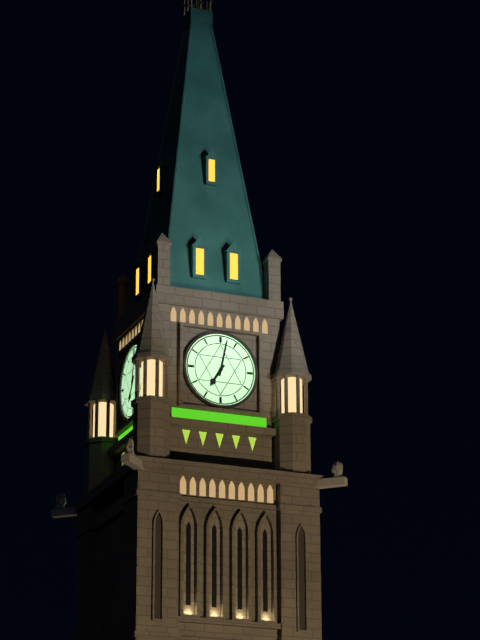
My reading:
**7:02**
